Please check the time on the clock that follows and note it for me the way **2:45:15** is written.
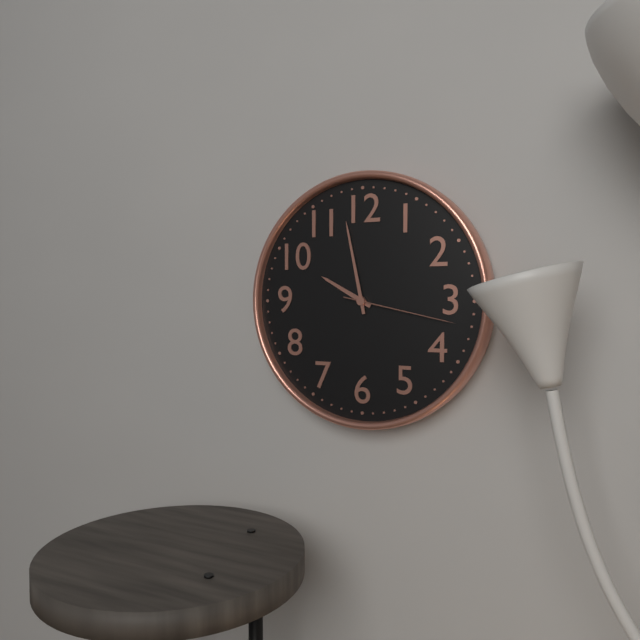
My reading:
**9:58:17**
